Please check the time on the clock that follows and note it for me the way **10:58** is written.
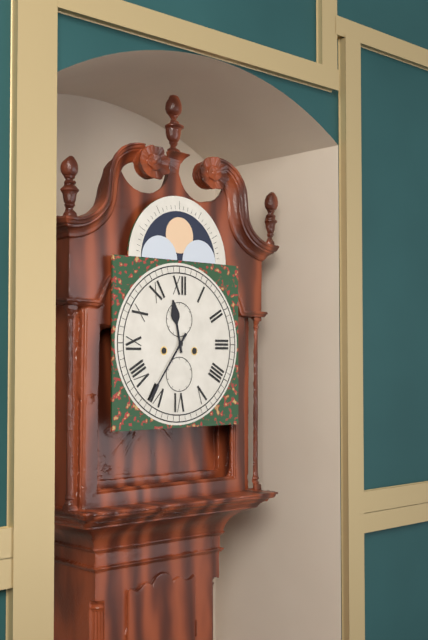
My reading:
**11:36**
